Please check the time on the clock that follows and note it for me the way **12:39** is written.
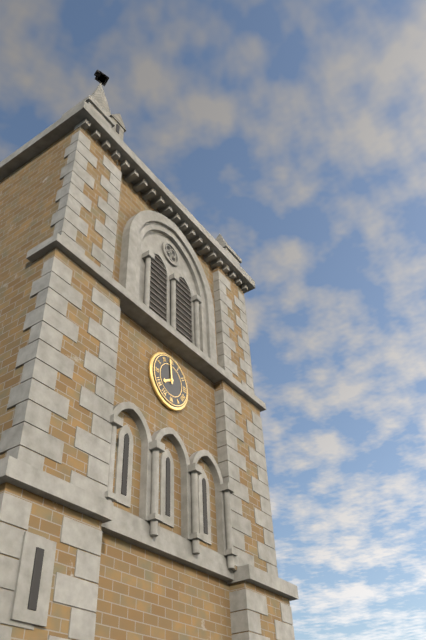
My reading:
**7:59**
